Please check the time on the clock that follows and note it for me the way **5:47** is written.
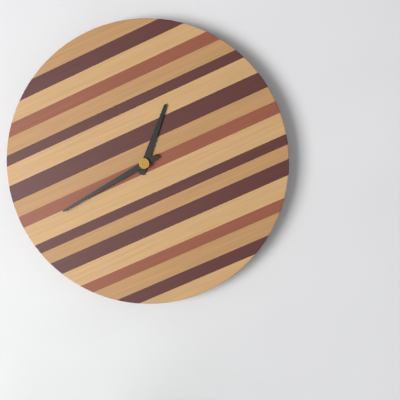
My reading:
**12:40**
